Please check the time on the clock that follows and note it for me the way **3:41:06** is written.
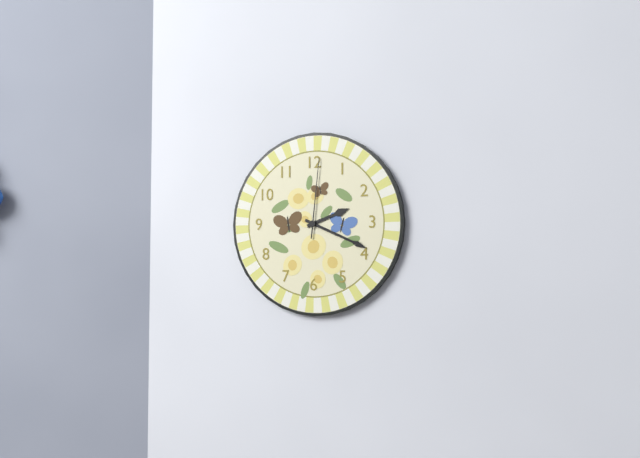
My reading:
**2:19:01**
